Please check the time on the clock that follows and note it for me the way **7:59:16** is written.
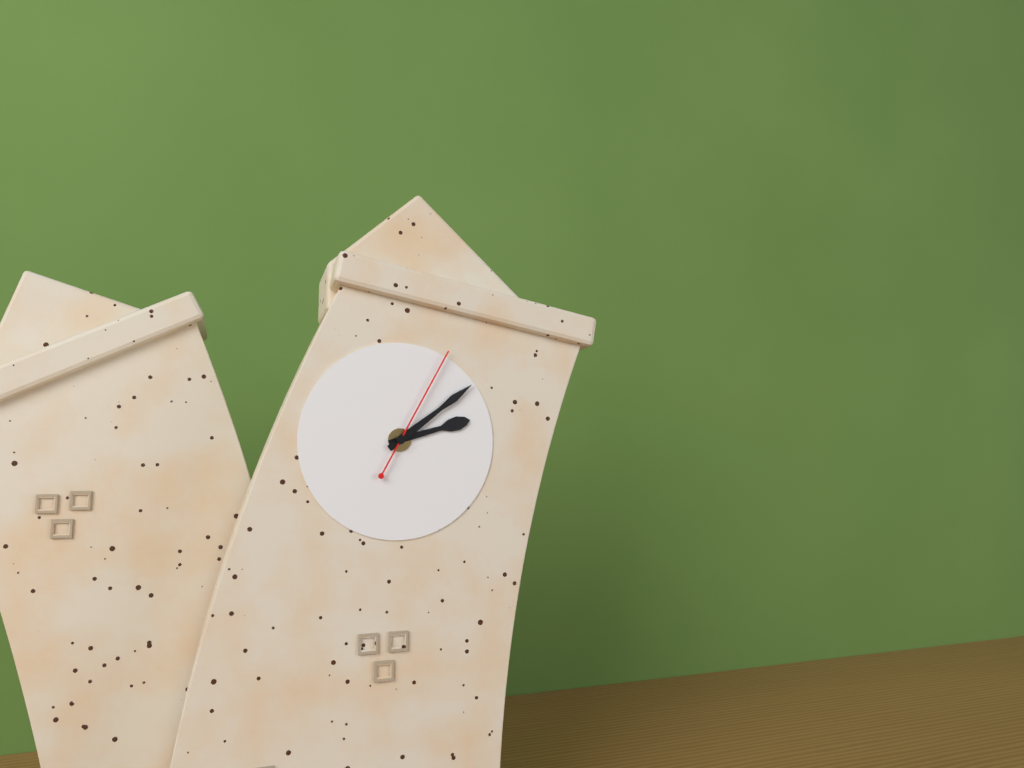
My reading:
**2:07:03**
